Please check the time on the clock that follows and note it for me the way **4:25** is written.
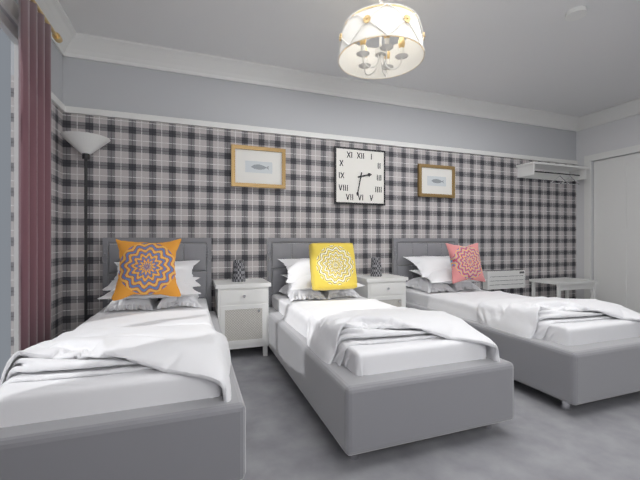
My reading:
**2:32**
